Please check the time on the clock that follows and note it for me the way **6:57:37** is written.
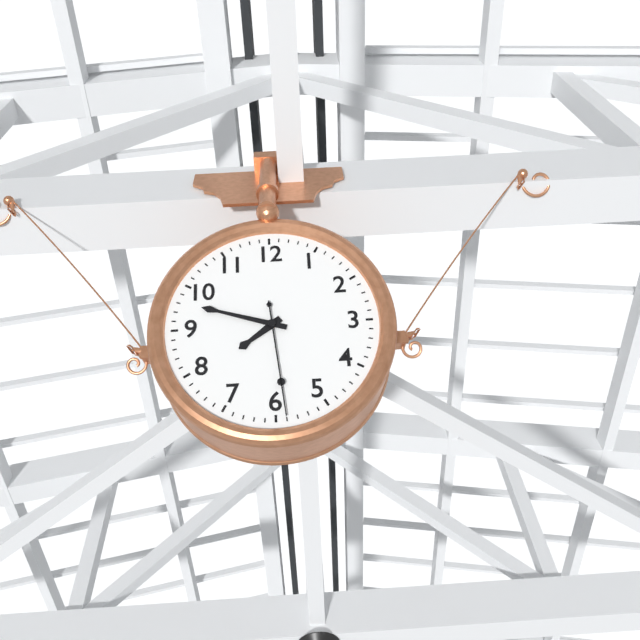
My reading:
**7:48:29**
